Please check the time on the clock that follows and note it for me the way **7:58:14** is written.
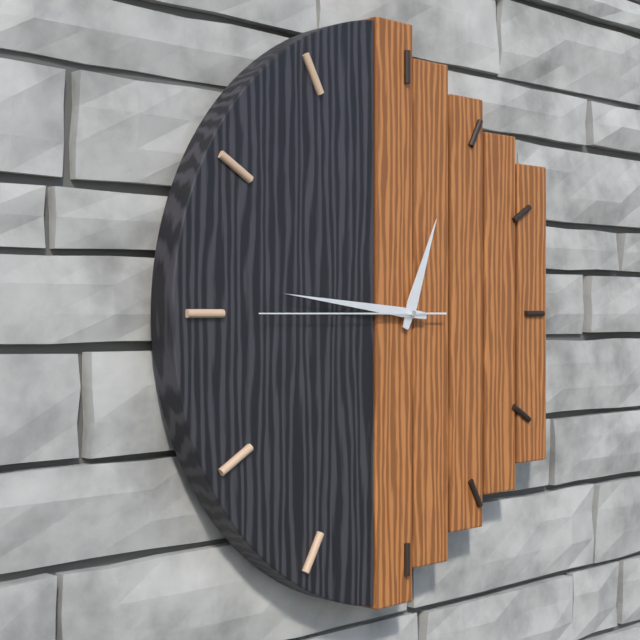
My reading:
**12:46:45**
